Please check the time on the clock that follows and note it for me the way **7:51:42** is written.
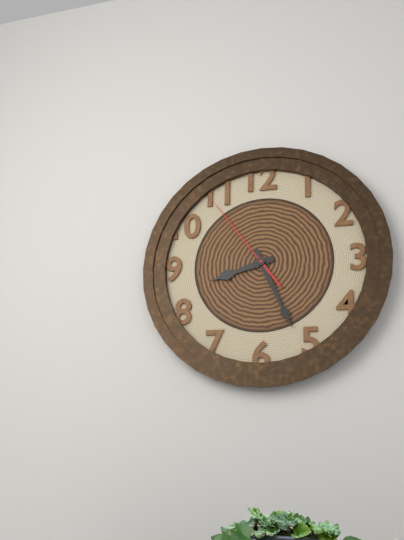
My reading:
**8:26:54**
